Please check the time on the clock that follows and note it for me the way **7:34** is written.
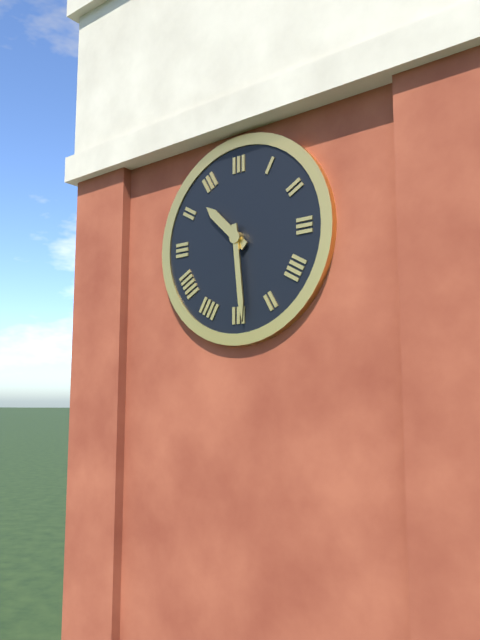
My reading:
**10:29**
